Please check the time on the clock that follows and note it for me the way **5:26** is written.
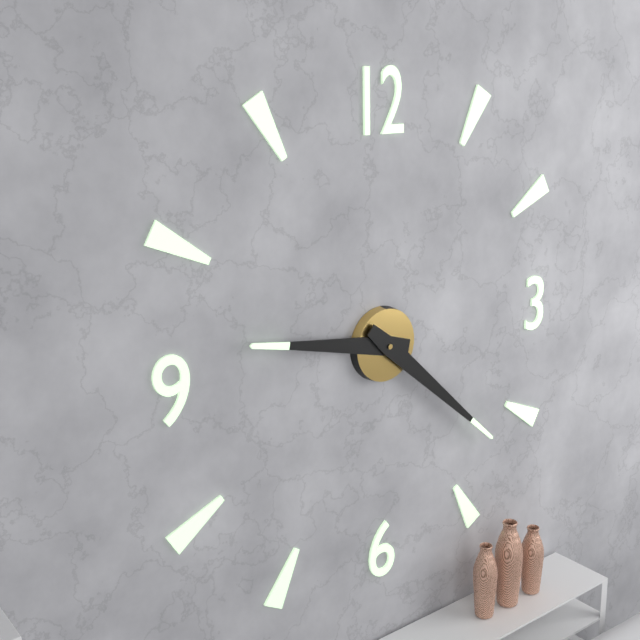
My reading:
**9:22**
